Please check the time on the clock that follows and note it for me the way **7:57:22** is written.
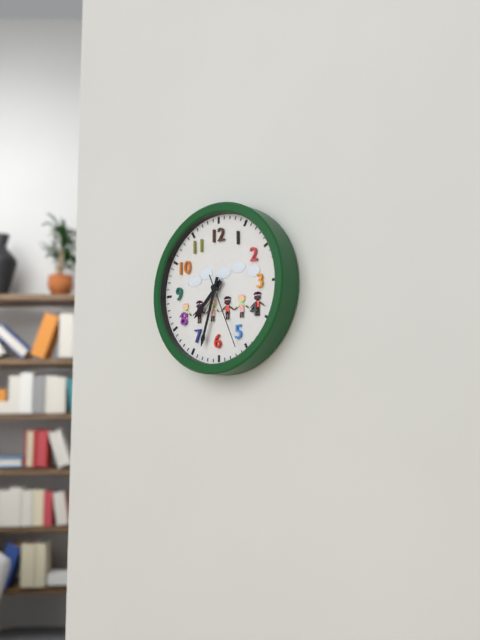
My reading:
**7:33:26**
